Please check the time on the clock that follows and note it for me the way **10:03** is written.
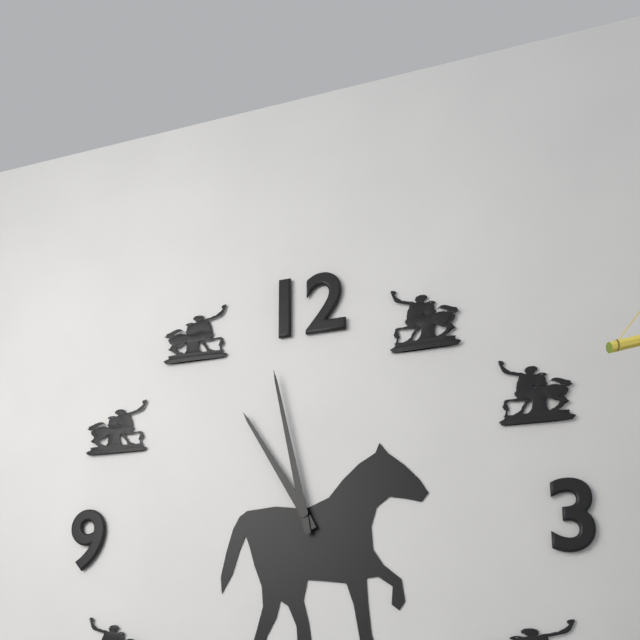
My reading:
**10:58**
